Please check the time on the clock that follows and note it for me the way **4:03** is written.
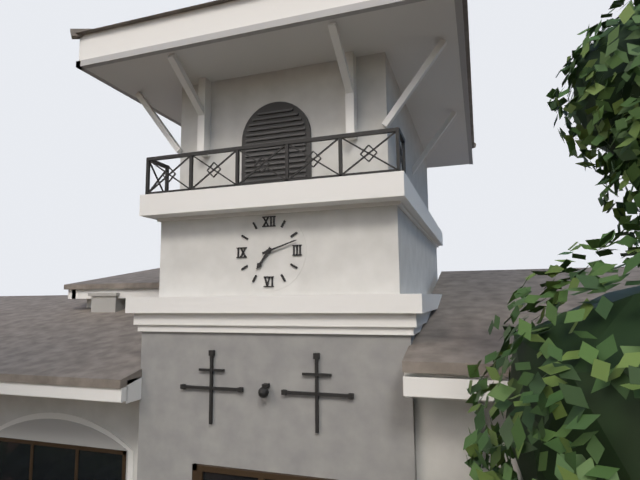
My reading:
**7:12**
